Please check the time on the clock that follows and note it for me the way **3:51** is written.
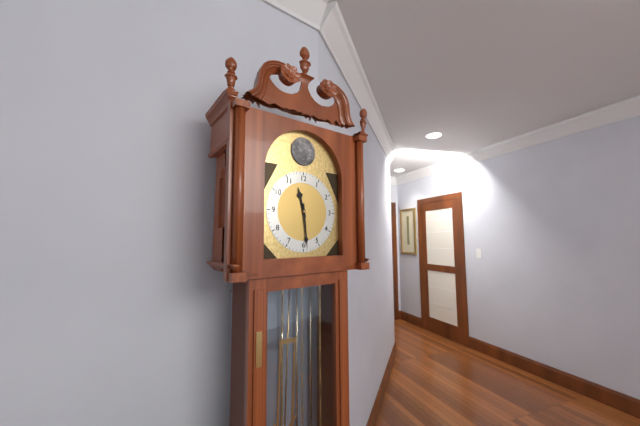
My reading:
**11:29**
